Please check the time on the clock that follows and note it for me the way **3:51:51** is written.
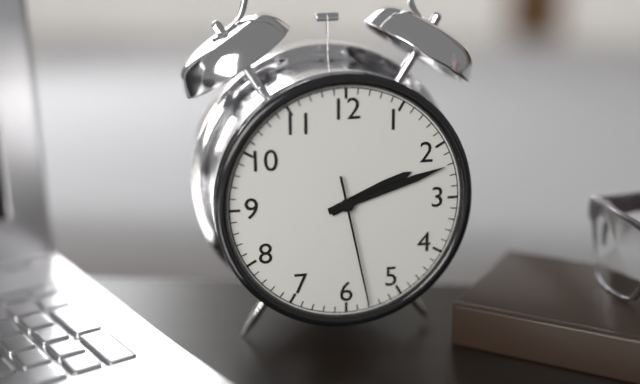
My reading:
**2:12:28**
